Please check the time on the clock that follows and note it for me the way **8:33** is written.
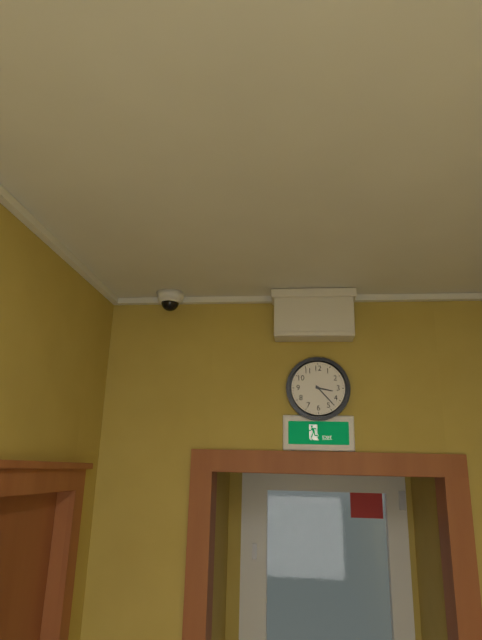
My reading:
**3:23**
